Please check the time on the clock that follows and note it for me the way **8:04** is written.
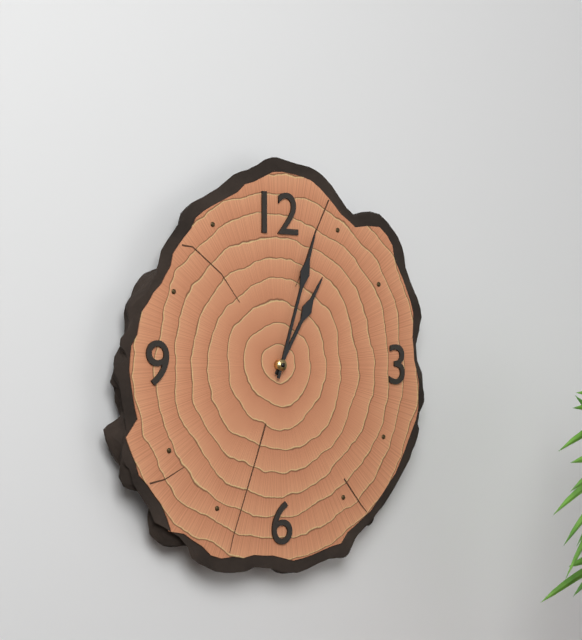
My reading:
**1:03**
